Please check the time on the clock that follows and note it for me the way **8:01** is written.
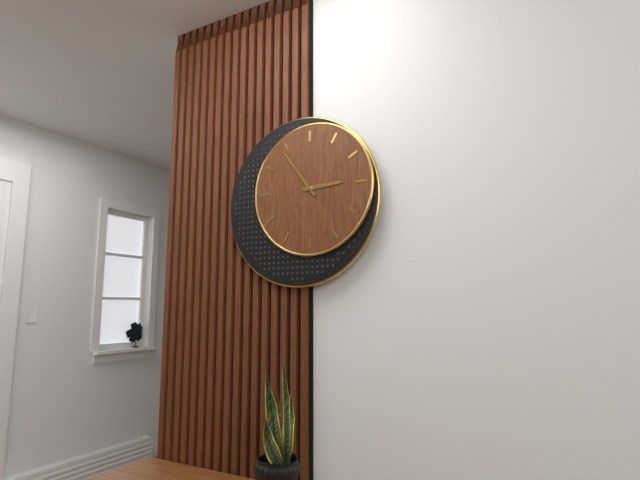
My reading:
**2:54**
